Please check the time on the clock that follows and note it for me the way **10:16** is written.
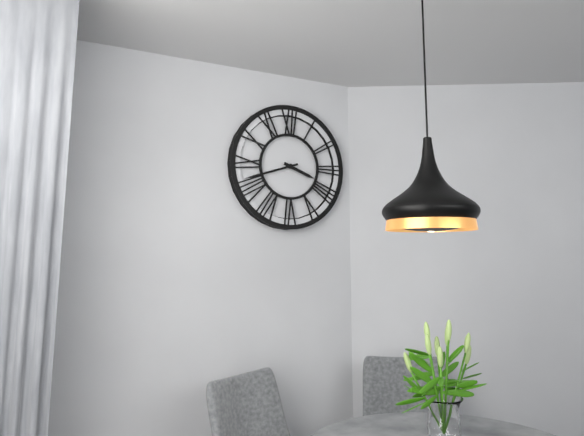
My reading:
**3:42**
